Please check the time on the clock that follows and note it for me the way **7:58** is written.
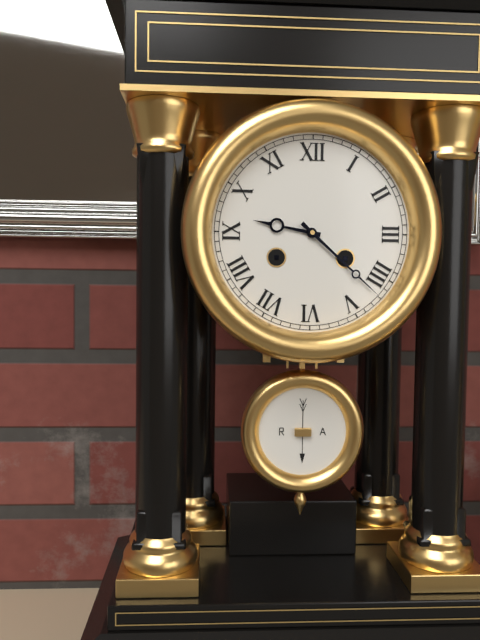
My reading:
**9:22**
